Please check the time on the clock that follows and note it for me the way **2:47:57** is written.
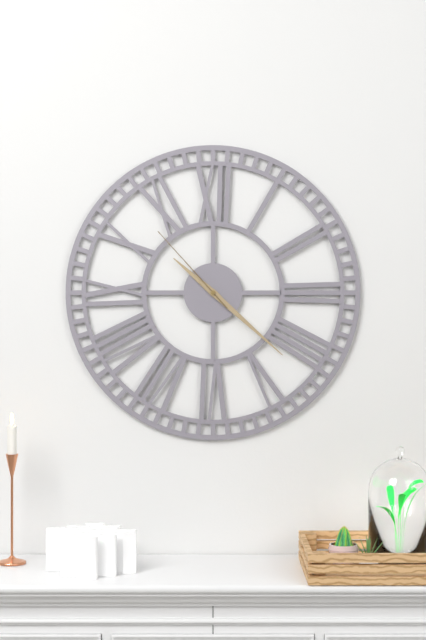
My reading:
**10:22:53**
